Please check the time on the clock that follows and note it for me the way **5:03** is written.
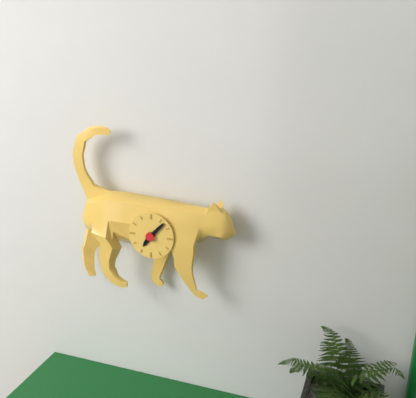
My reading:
**7:07**
